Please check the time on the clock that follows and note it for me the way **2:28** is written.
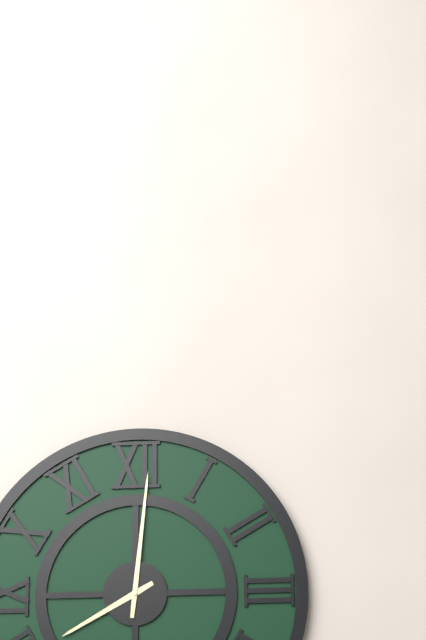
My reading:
**8:01**
